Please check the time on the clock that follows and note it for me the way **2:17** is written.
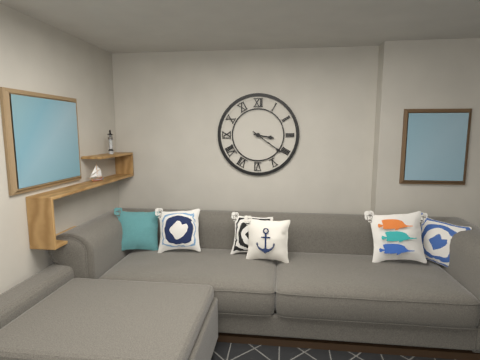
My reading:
**3:21**
